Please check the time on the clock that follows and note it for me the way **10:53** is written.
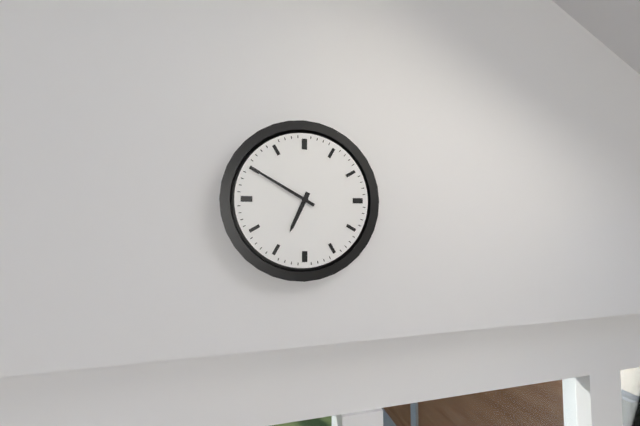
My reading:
**6:50**
